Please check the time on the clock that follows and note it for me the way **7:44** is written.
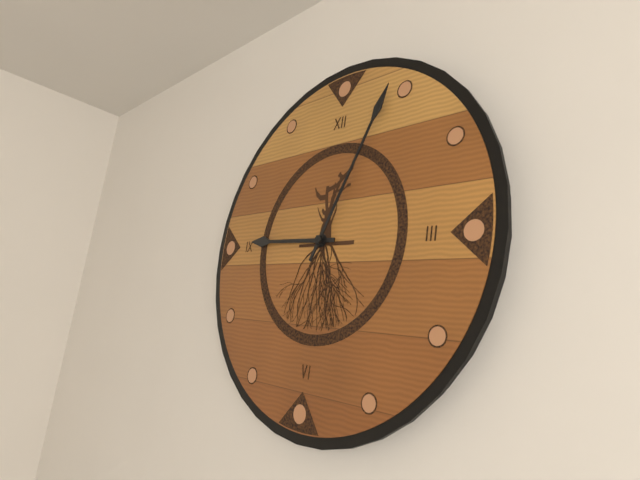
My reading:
**9:04**
